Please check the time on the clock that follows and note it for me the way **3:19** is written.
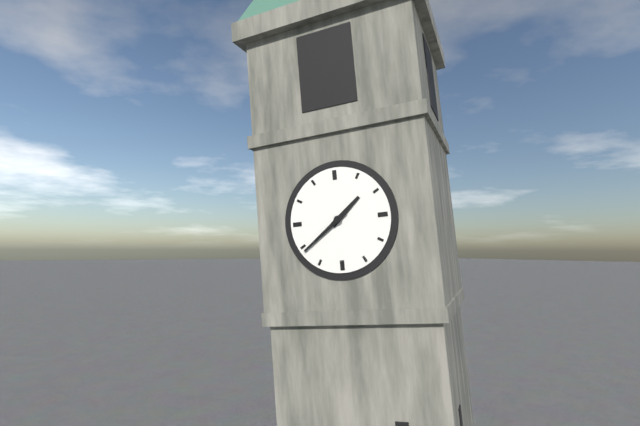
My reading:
**1:39**
